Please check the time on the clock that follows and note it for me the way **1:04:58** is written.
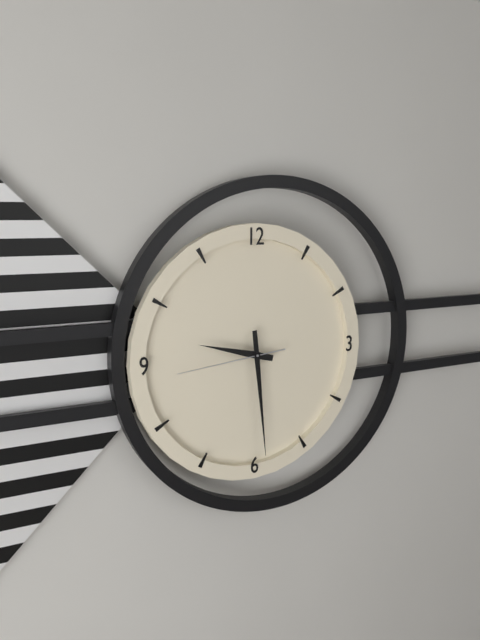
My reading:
**9:29:44**
